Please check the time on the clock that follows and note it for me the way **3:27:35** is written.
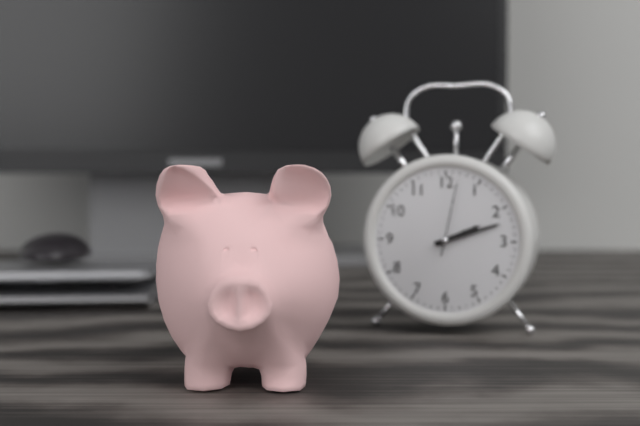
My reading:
**2:12:02**
